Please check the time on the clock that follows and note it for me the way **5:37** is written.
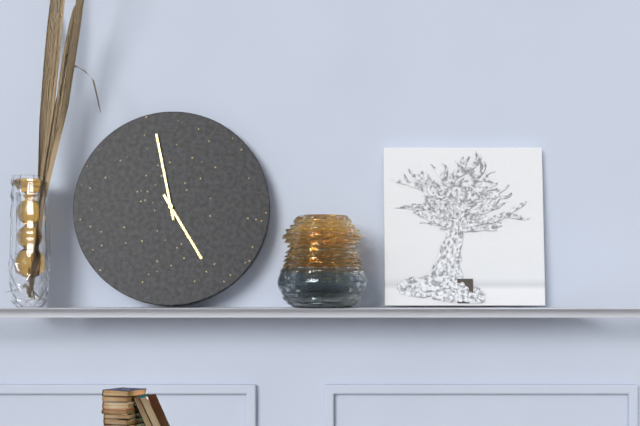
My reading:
**4:58**
